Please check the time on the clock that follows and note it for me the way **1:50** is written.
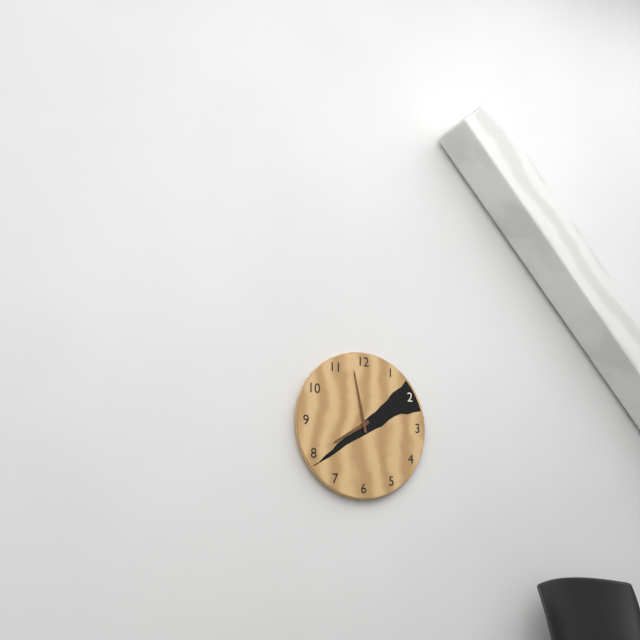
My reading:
**7:58**
